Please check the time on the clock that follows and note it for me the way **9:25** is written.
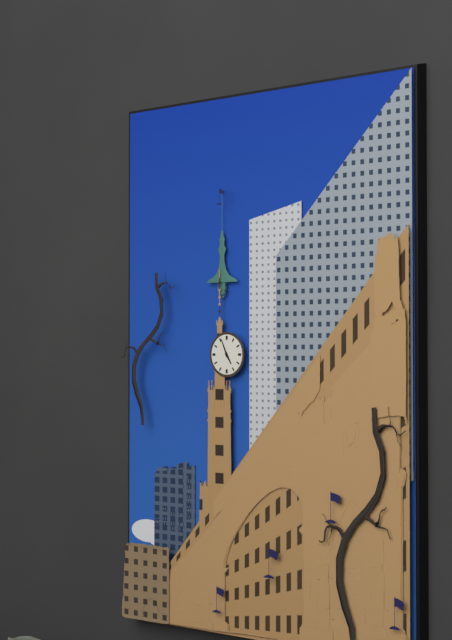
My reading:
**4:56**
